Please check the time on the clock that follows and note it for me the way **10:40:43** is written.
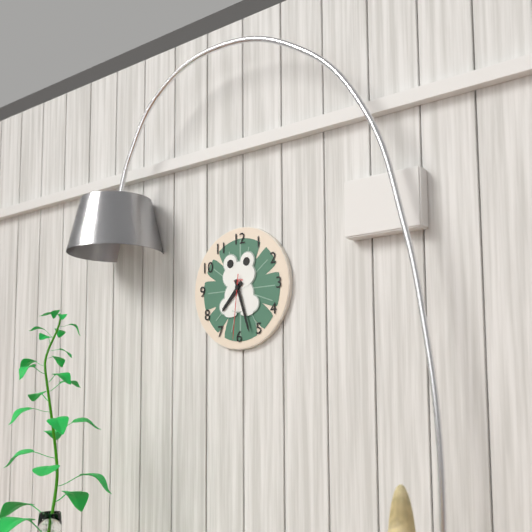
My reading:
**7:27:31**
